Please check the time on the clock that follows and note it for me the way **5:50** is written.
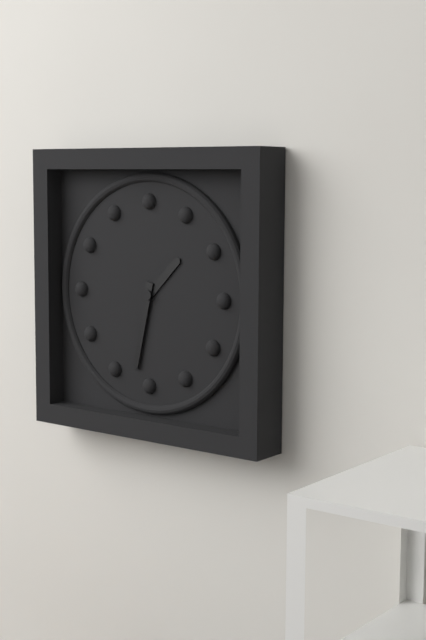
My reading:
**1:32**
